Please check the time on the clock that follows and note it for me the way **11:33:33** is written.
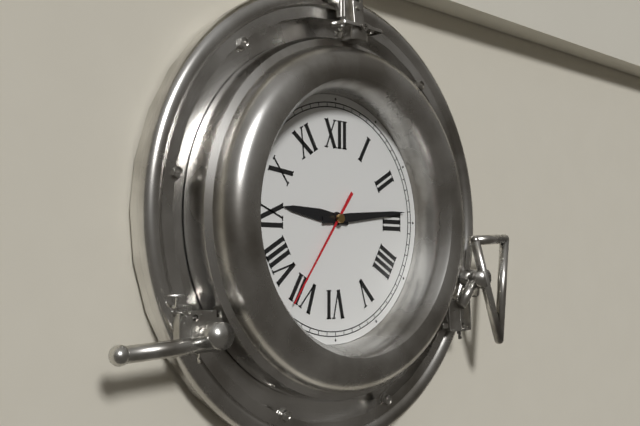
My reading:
**9:14:36**
